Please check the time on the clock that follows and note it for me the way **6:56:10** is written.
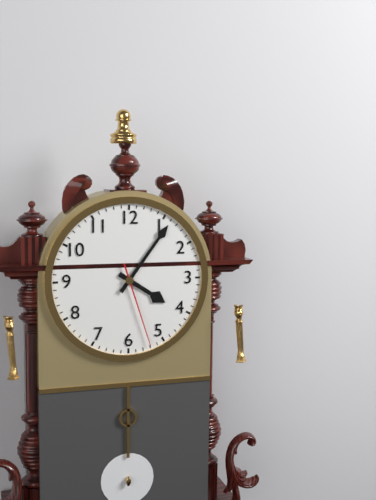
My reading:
**4:06:27**
